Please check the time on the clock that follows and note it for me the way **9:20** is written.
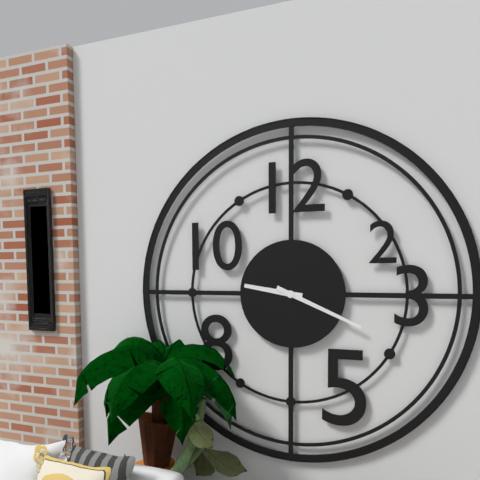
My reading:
**9:19**
